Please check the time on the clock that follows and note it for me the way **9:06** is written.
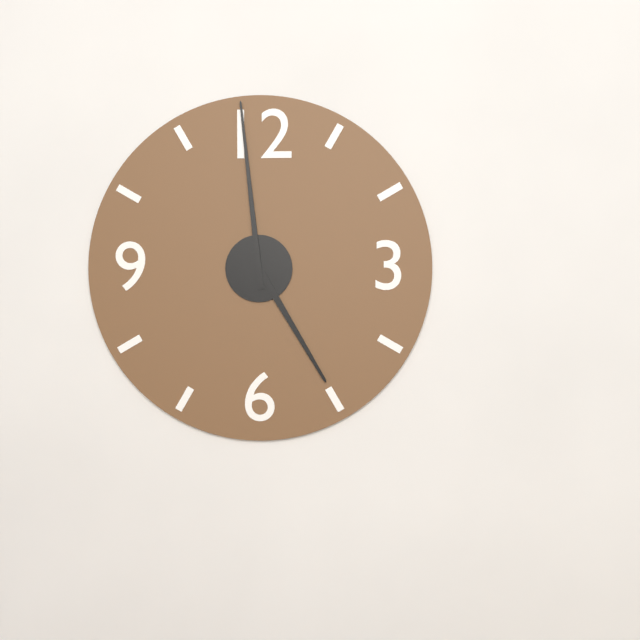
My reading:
**4:59**
